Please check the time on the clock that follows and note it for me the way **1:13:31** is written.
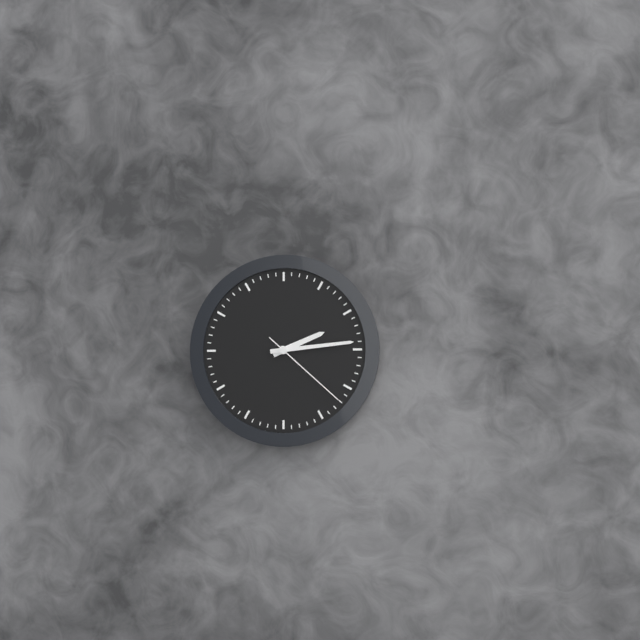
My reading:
**2:14:22**
